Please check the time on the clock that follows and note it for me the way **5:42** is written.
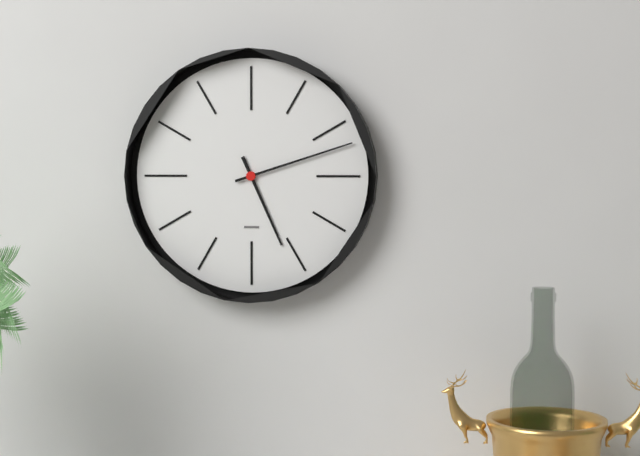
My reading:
**5:12**
